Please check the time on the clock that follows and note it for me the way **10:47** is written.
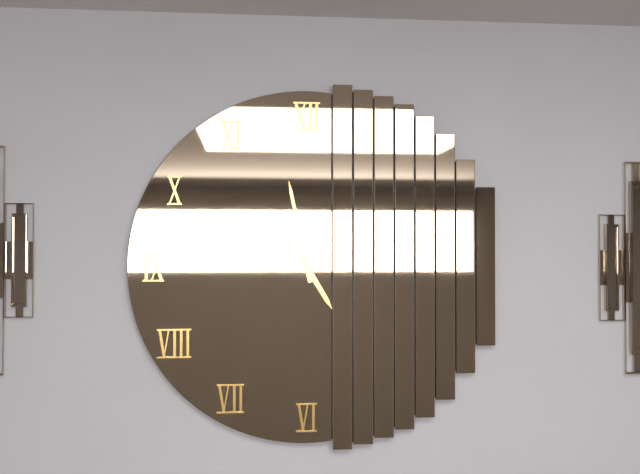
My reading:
**4:58**
